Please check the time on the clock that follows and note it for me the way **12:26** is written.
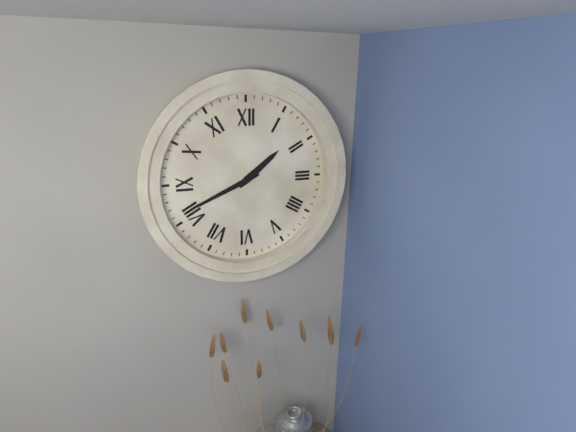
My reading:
**1:41**
